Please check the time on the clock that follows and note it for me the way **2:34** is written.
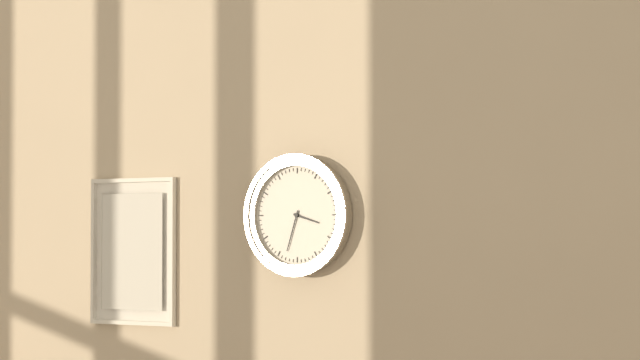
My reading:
**3:33**
